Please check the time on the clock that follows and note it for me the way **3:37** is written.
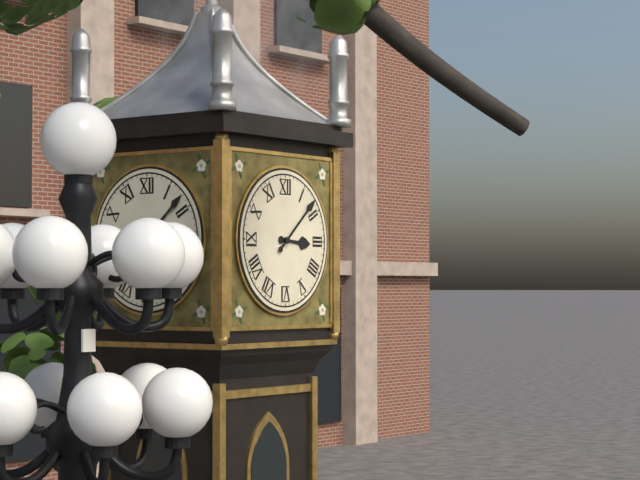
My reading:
**3:08**
